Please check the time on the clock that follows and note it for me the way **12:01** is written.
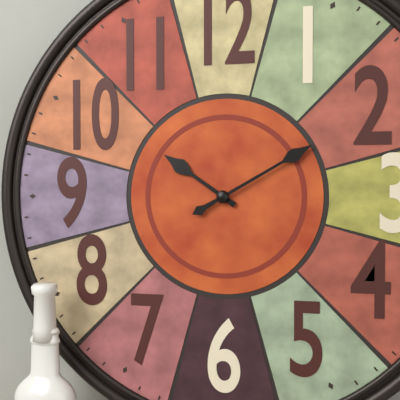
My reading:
**10:10**
